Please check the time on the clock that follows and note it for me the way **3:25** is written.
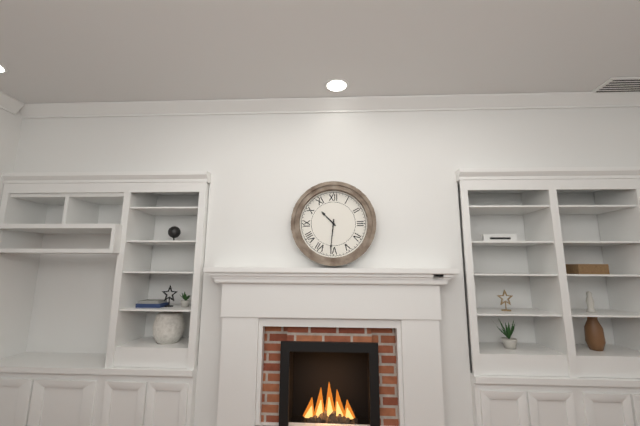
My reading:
**10:31**
